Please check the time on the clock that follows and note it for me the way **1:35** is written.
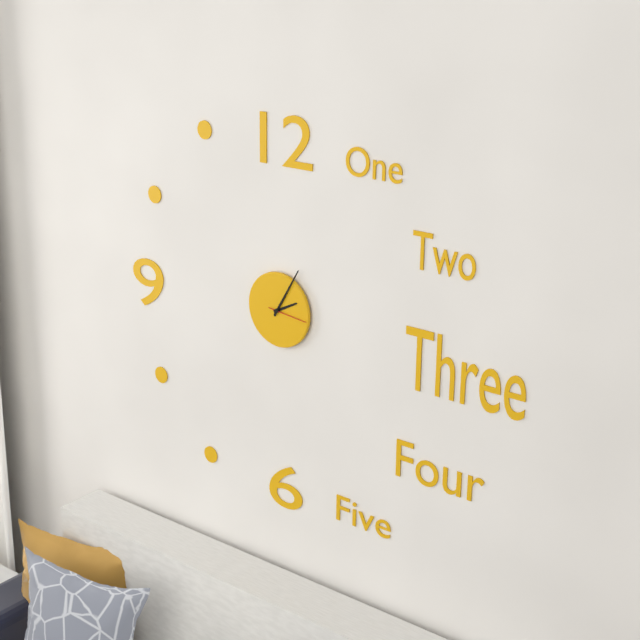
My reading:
**2:05**
